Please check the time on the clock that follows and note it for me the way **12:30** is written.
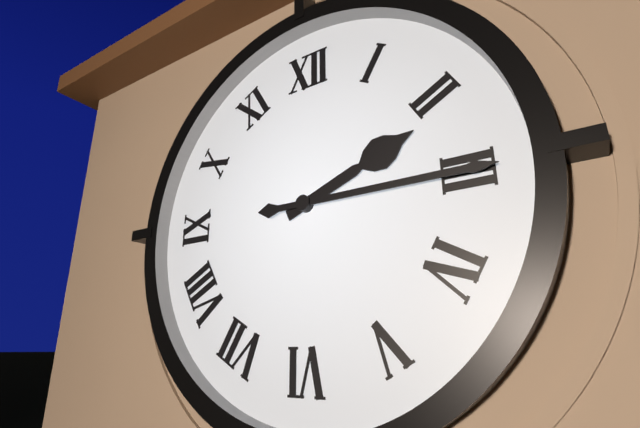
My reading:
**2:15**
